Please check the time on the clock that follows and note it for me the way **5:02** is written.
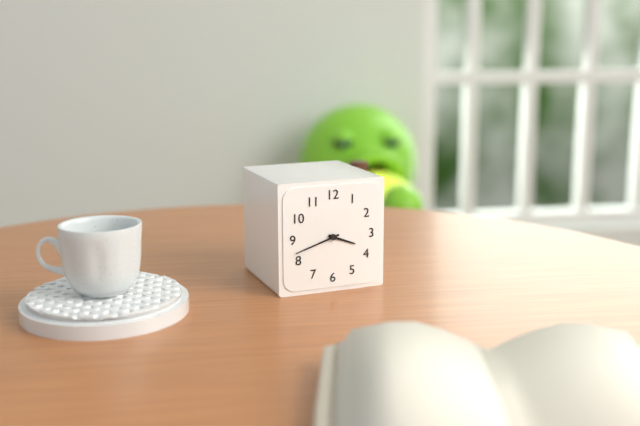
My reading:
**3:42**
